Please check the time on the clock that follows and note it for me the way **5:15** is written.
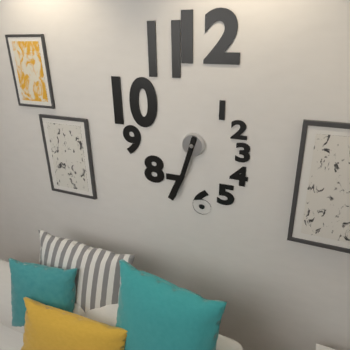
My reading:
**6:33**
